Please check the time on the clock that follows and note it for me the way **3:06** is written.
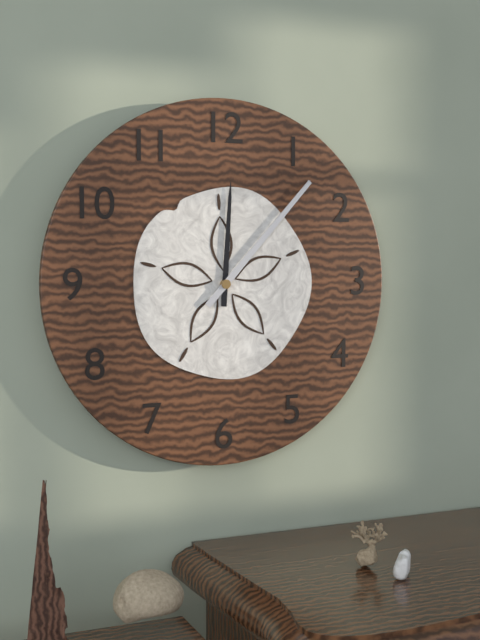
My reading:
**12:07**
